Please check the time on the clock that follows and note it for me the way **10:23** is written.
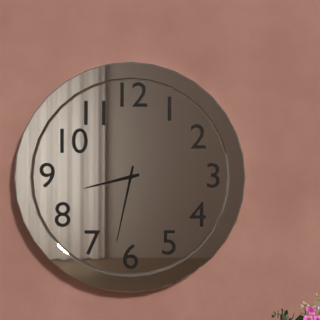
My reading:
**8:32**
